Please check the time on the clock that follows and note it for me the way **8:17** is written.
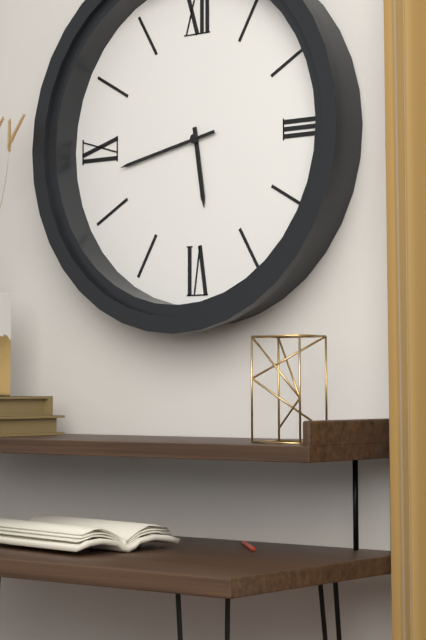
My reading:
**5:43**
